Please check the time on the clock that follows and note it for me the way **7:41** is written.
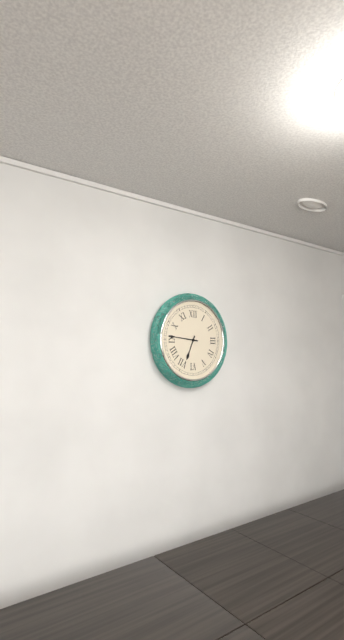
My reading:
**6:46**
